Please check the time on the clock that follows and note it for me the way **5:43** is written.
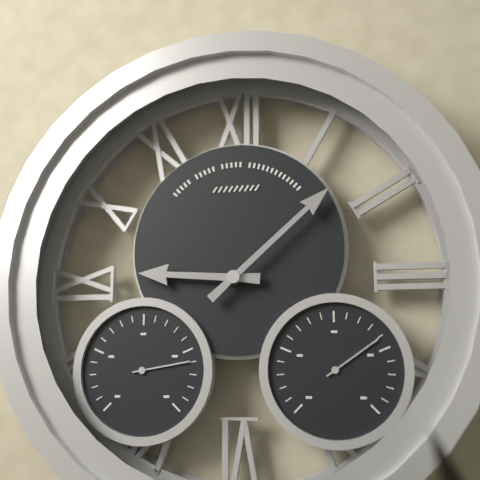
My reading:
**9:08**
